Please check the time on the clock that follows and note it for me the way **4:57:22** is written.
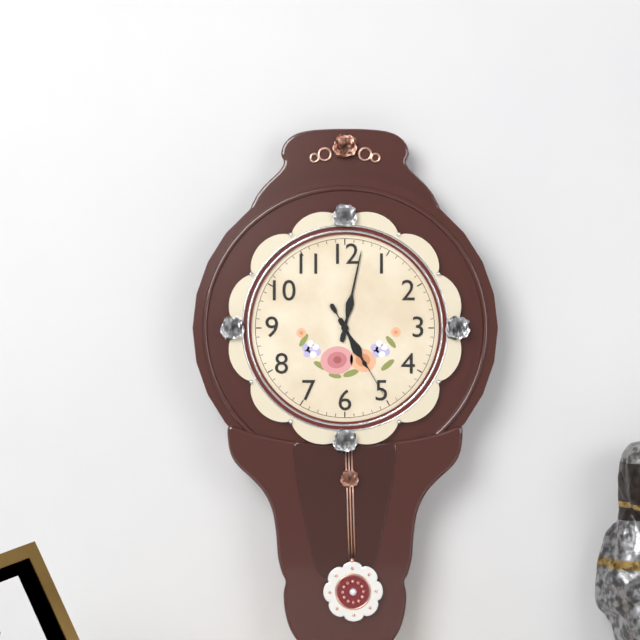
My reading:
**5:02:25**
